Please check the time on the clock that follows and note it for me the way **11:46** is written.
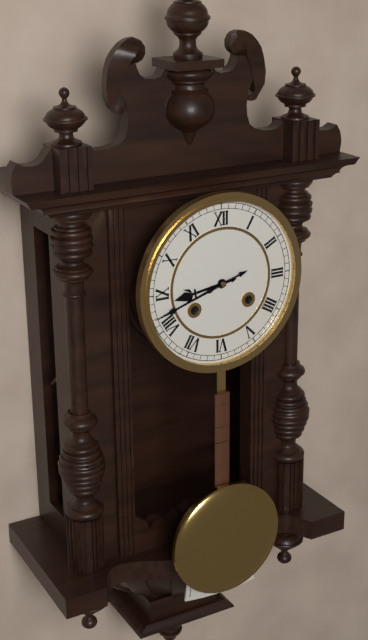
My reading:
**8:42**
